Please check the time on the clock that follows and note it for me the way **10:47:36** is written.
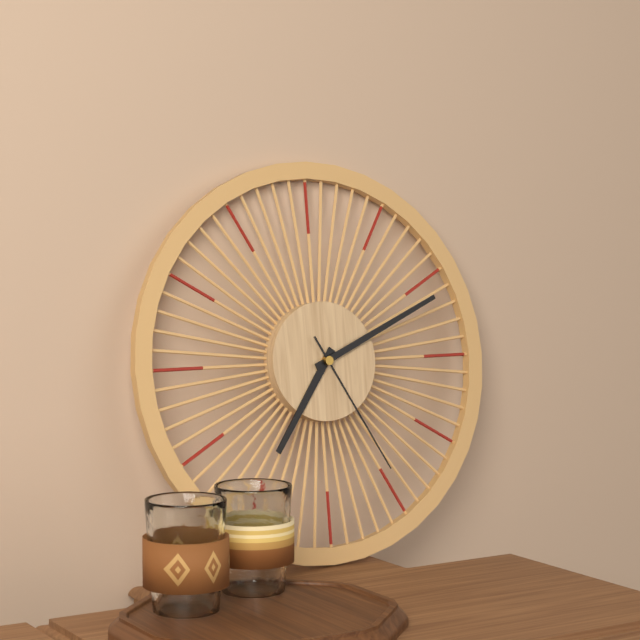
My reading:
**7:11:25**
